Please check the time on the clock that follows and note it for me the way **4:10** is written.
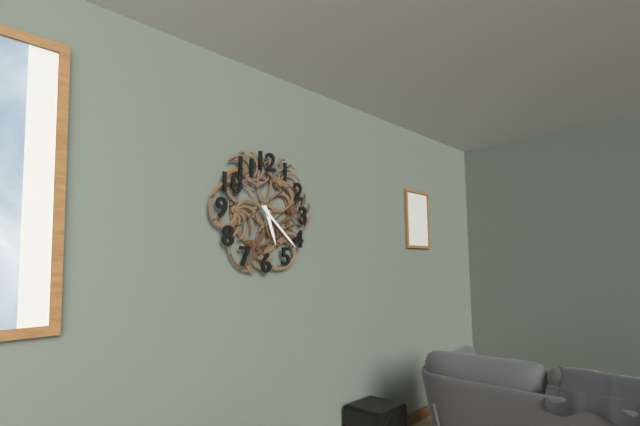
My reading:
**5:22**
